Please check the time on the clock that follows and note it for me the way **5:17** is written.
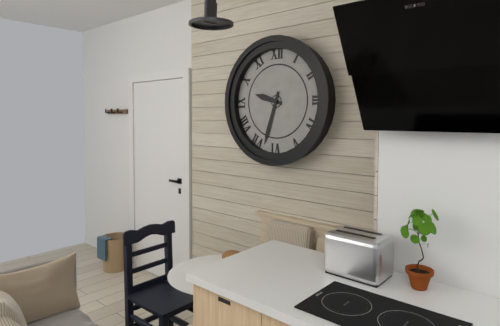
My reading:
**9:33**
